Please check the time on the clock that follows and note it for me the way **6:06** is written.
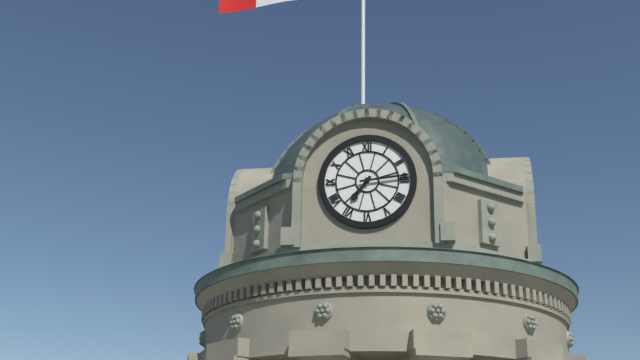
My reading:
**7:14**
